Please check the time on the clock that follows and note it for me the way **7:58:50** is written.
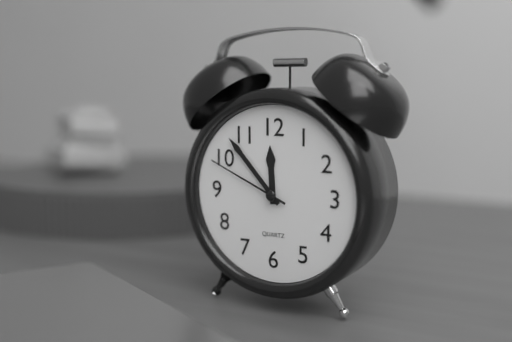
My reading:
**11:53:49**
